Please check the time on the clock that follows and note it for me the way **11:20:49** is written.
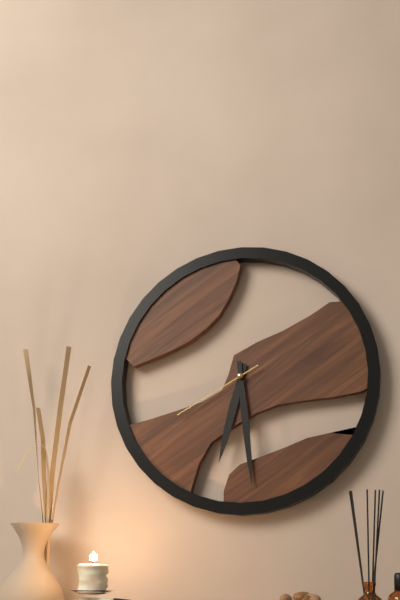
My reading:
**6:29:40**
